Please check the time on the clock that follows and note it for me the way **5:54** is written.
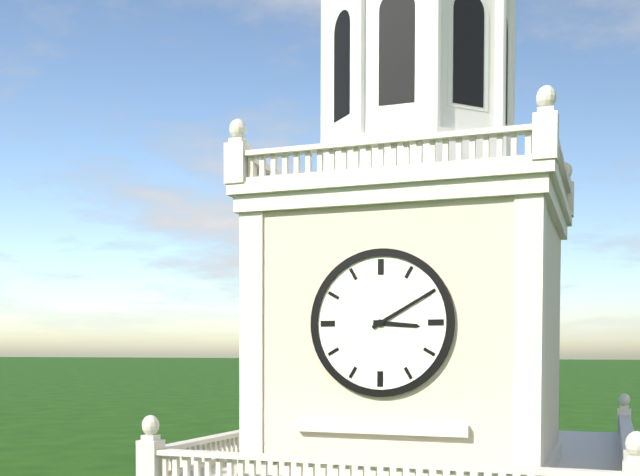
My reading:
**3:10**
